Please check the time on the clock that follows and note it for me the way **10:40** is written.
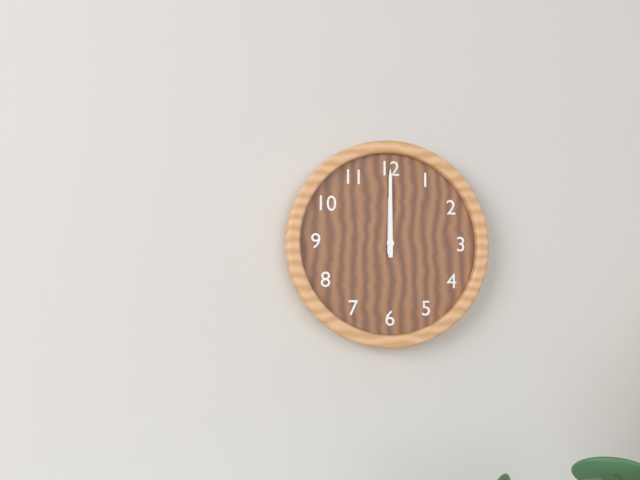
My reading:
**12:00**
